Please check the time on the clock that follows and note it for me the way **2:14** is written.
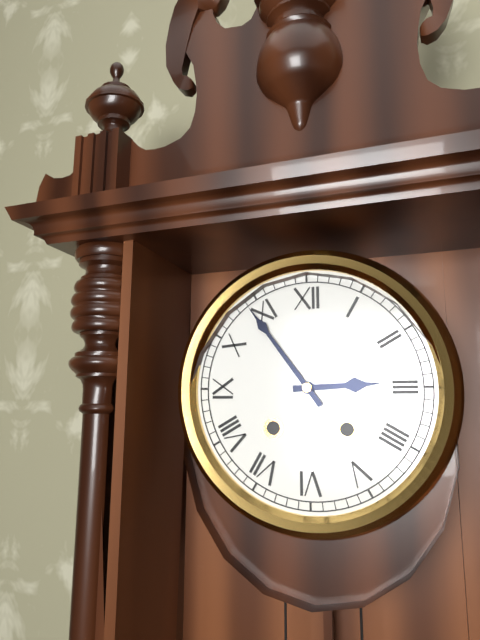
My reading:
**2:54**
